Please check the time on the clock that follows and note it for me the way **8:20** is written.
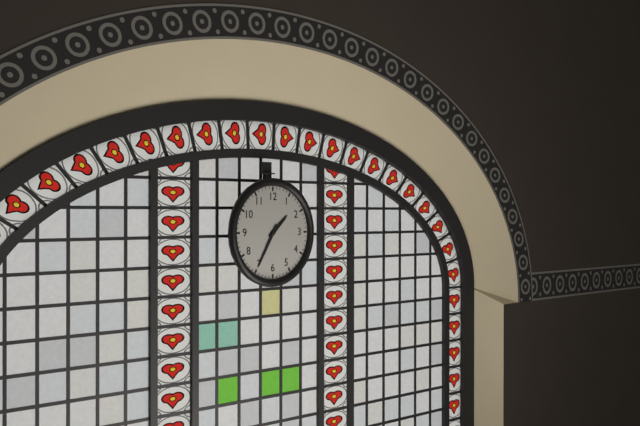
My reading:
**1:35**
